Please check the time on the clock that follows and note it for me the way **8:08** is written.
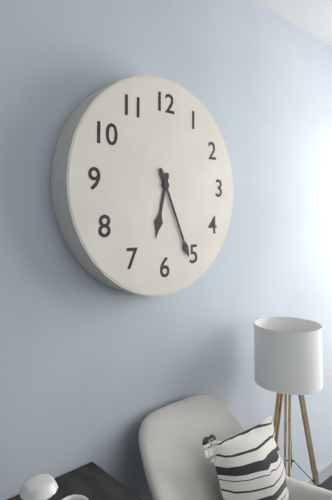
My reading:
**6:26**
